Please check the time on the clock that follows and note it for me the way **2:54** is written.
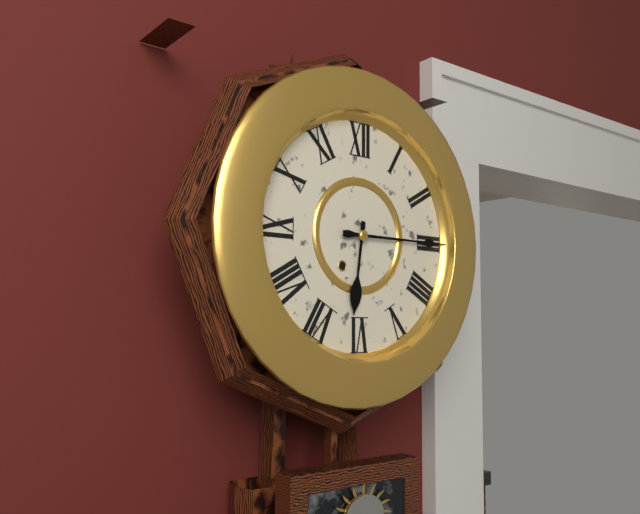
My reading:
**6:15**
